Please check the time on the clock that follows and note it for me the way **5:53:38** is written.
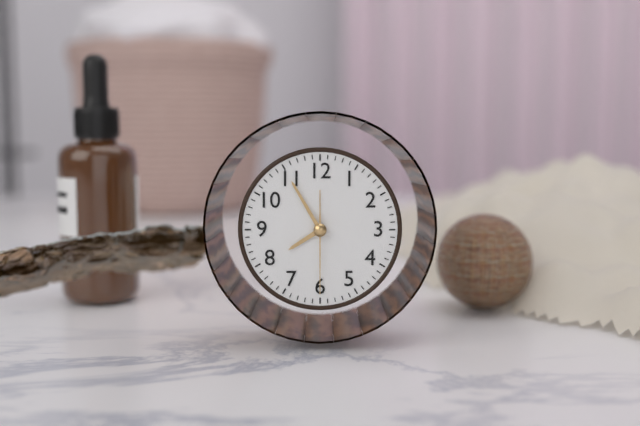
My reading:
**7:55:30**
